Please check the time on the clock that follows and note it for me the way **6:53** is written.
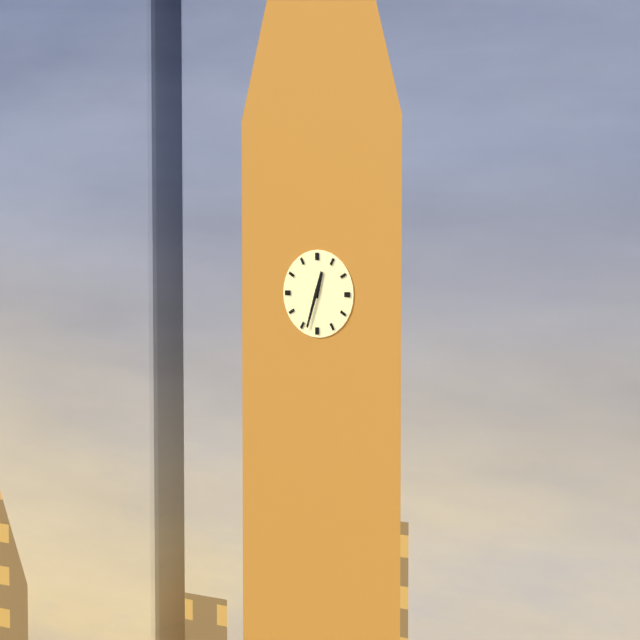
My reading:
**12:33**
